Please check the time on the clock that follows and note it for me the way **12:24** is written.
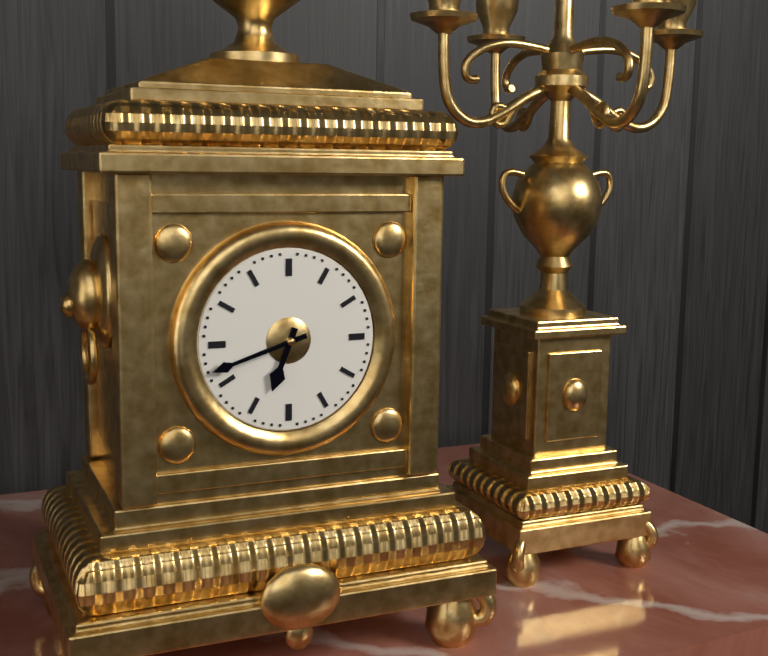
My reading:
**6:42**
